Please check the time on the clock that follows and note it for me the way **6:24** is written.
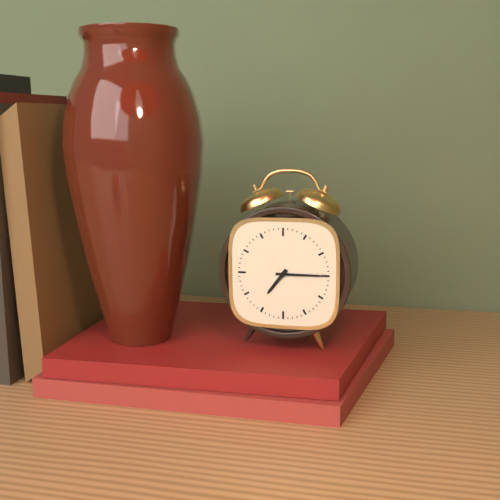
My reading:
**7:15**
